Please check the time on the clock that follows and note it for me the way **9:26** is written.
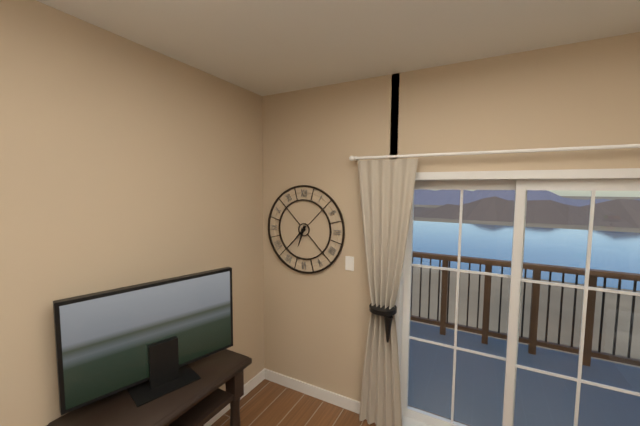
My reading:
**6:37**
